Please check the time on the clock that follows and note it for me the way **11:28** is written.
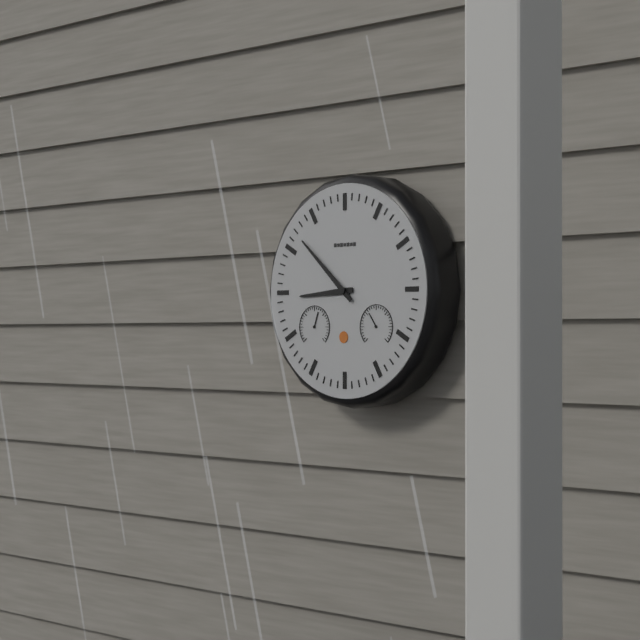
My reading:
**8:52**
